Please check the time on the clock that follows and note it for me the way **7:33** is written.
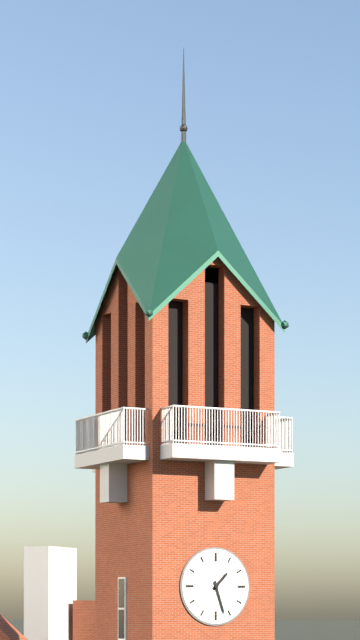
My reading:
**1:27**
